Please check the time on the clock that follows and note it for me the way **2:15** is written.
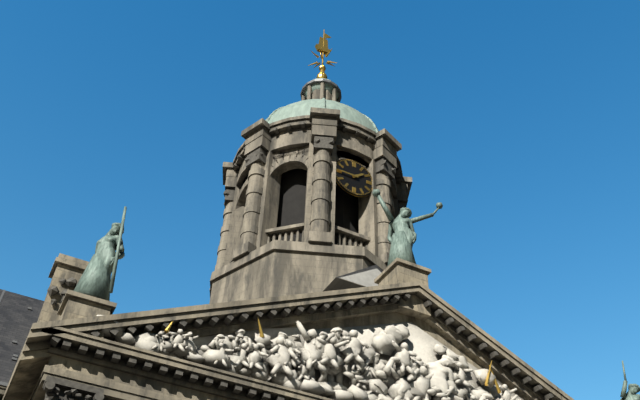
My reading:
**1:45**
